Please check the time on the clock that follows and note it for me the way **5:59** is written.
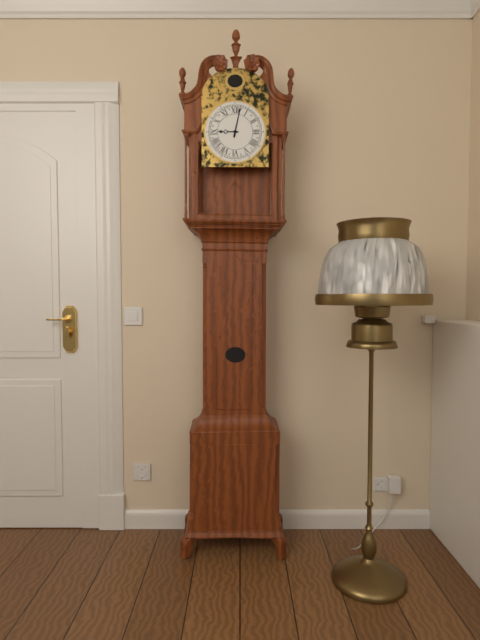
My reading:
**9:02**
